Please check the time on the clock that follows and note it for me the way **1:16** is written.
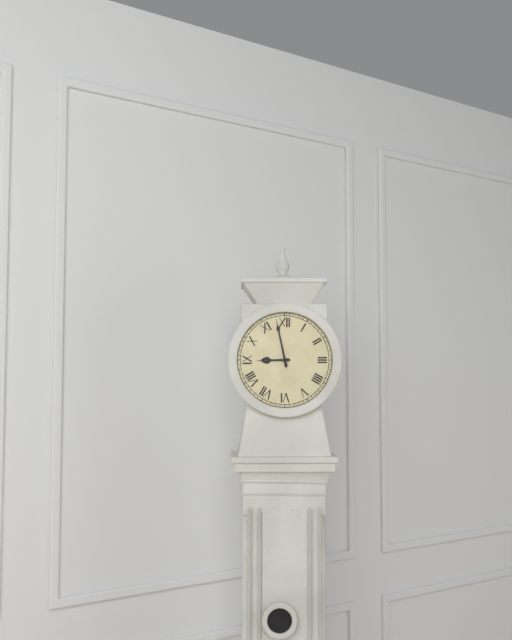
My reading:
**8:58**
